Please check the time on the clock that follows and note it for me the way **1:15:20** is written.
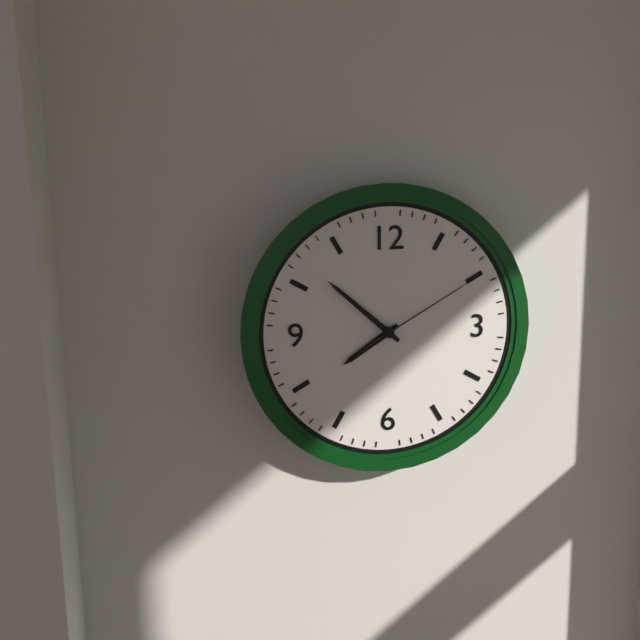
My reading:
**7:52:10**
